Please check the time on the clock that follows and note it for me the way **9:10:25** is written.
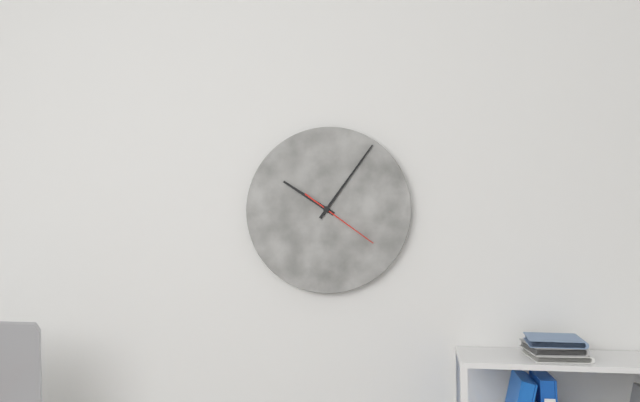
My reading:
**10:06:21**
